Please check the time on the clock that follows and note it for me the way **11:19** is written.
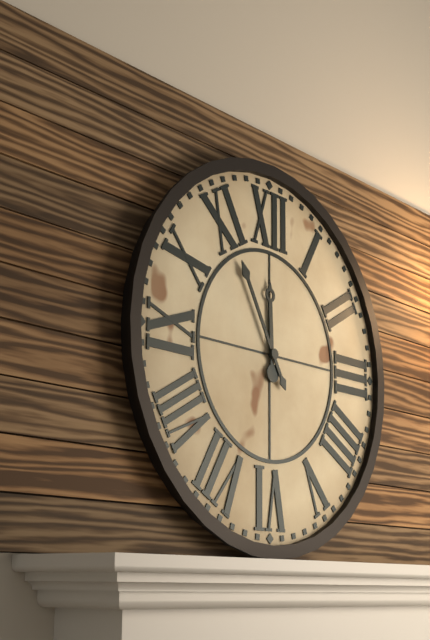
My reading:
**11:55**
